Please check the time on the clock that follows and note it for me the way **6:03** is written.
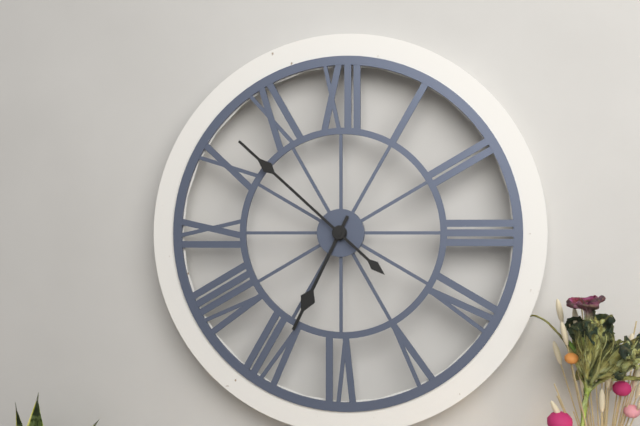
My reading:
**6:52**
